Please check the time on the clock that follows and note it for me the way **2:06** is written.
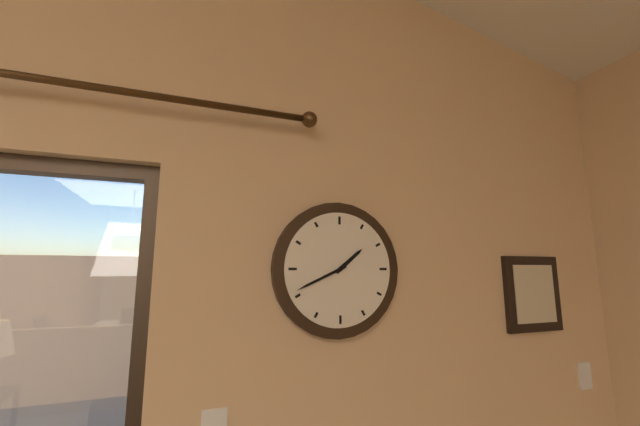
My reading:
**1:41**
